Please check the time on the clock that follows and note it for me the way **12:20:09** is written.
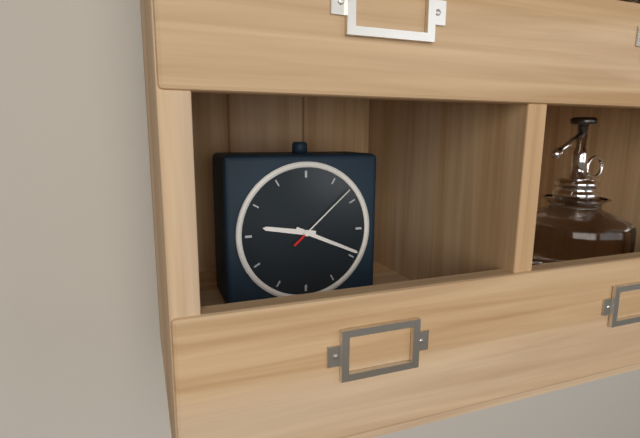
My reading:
**9:19:08**
